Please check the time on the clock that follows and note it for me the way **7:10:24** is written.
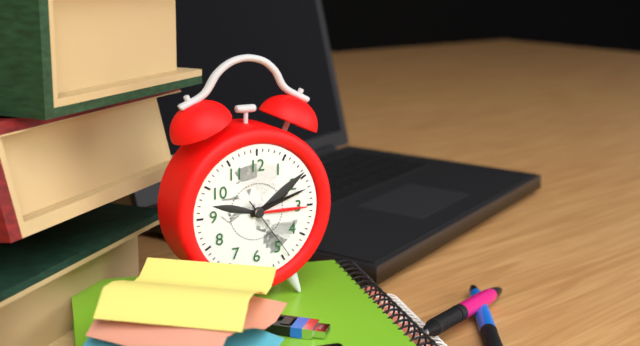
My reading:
**2:12:24**
